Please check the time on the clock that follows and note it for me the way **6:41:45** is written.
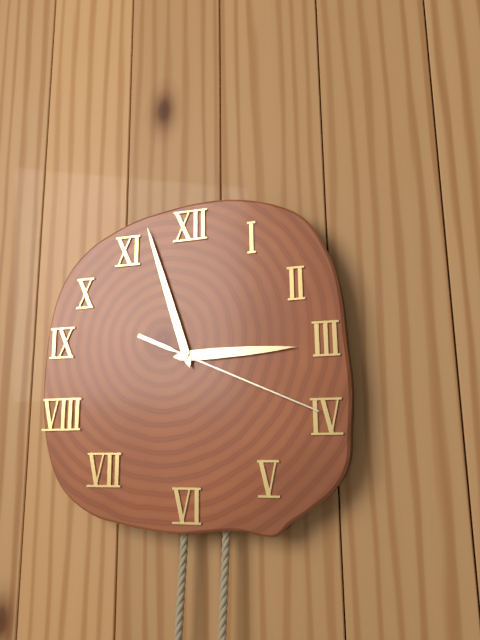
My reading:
**2:57:19**
